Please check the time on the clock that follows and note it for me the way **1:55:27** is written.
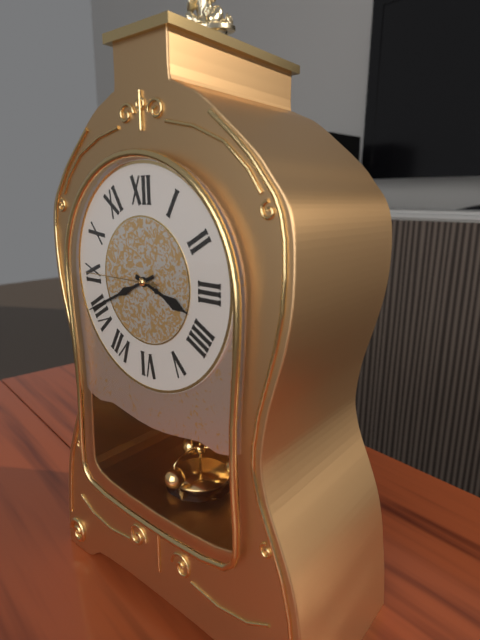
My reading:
**3:41:45**
